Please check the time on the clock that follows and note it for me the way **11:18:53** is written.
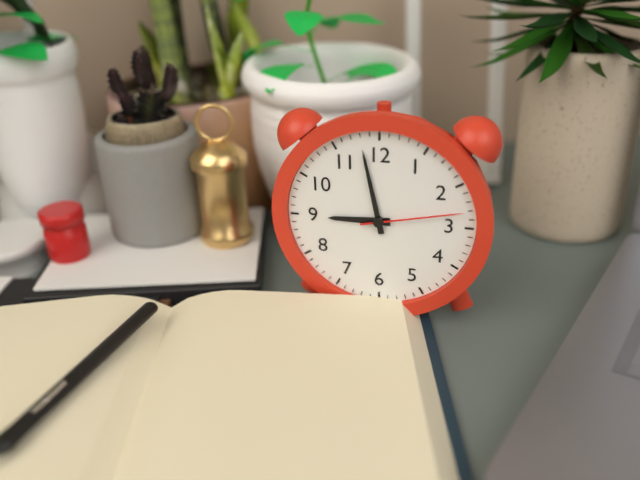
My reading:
**8:58:13**
